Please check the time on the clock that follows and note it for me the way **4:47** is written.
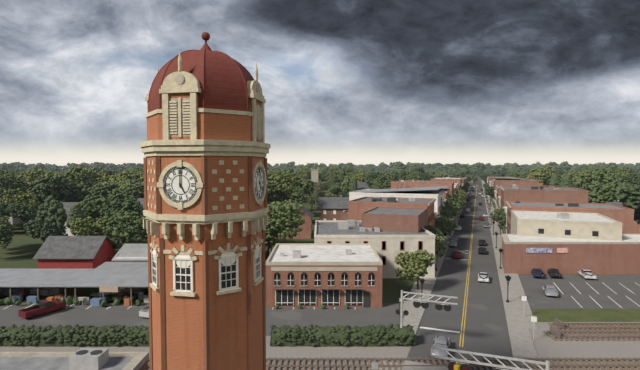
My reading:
**5:00**
